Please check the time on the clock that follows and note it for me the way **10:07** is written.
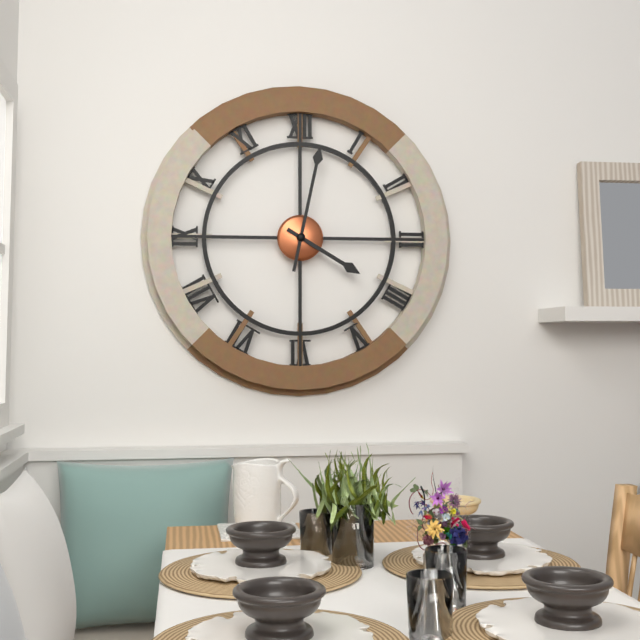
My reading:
**4:02**
